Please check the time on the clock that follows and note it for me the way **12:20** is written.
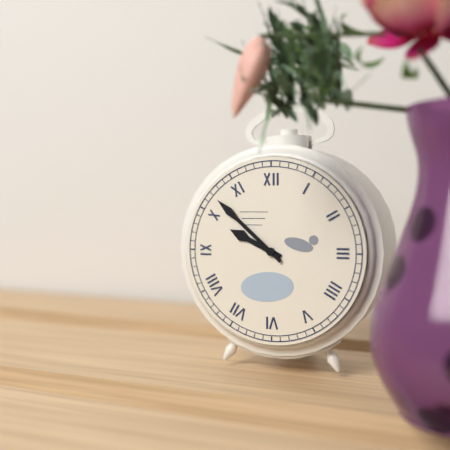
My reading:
**9:52**
